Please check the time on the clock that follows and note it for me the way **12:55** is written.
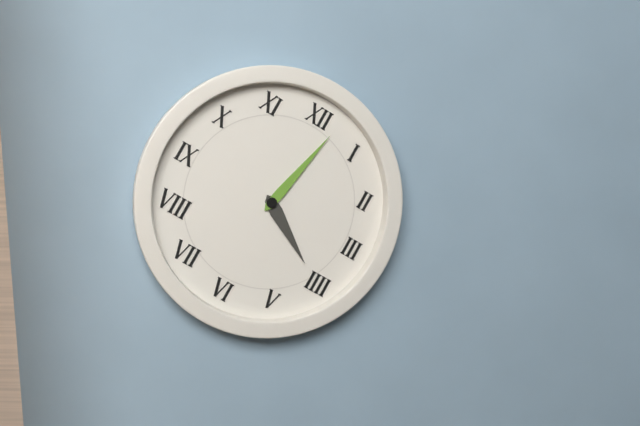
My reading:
**4:02**
